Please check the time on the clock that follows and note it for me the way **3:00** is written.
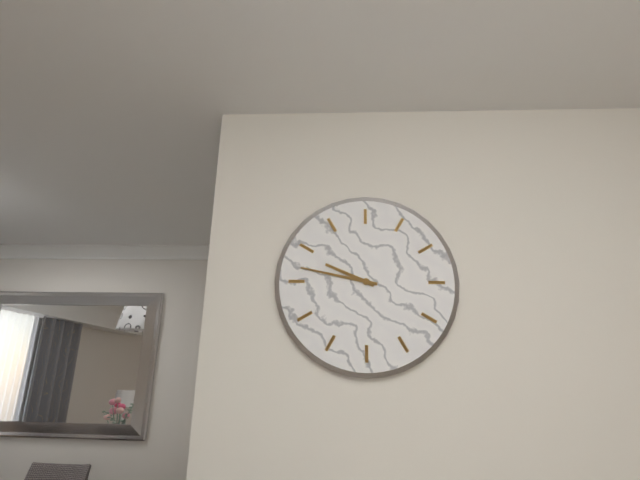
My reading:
**9:47**
